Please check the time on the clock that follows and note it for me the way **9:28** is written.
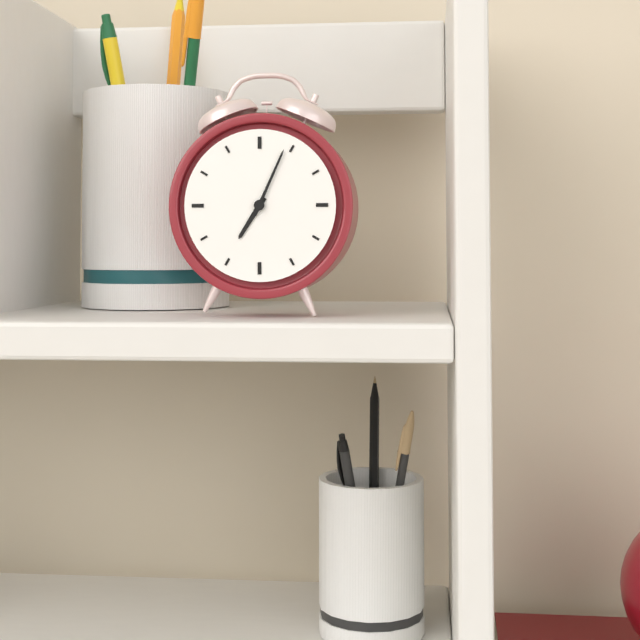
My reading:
**7:04**
